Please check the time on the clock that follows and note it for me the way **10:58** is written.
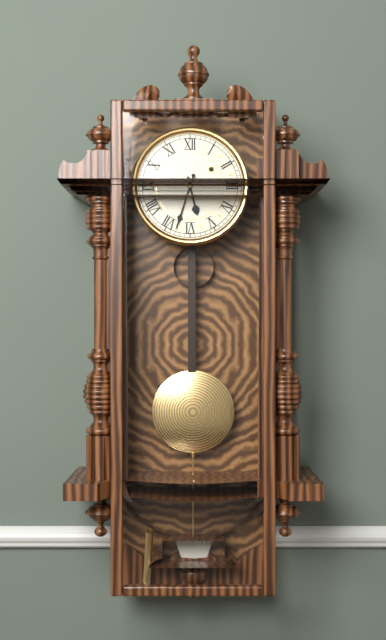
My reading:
**5:33**
